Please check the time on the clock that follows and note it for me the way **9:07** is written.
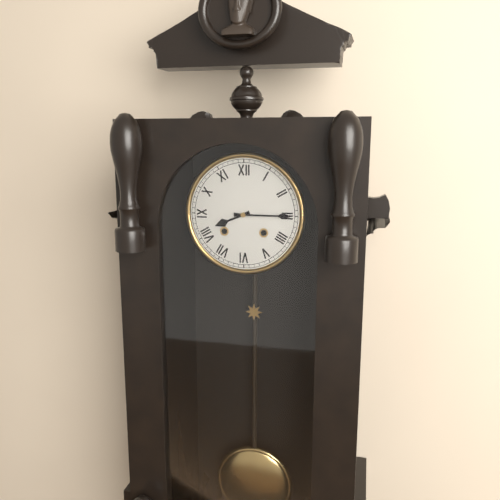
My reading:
**8:15**
